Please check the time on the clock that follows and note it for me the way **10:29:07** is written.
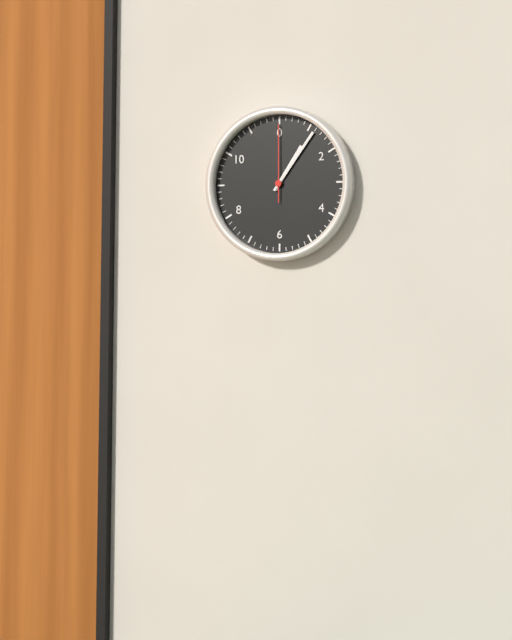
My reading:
**1:06:00**
